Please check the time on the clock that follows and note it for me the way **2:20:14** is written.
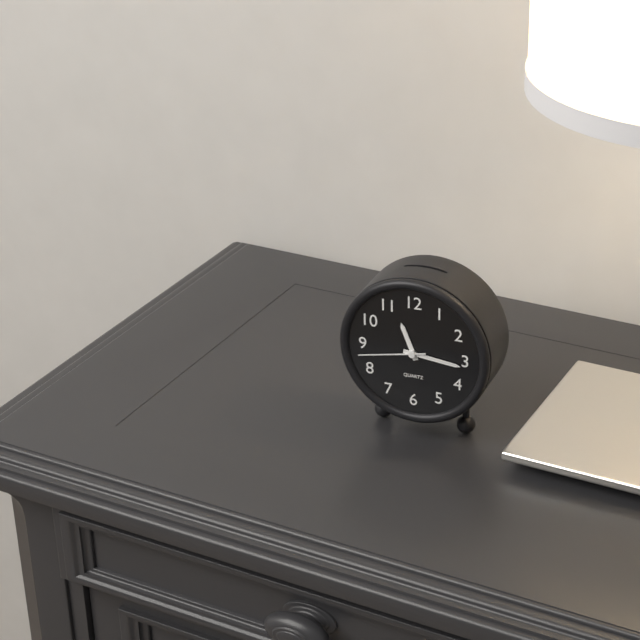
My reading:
**11:16:43**
